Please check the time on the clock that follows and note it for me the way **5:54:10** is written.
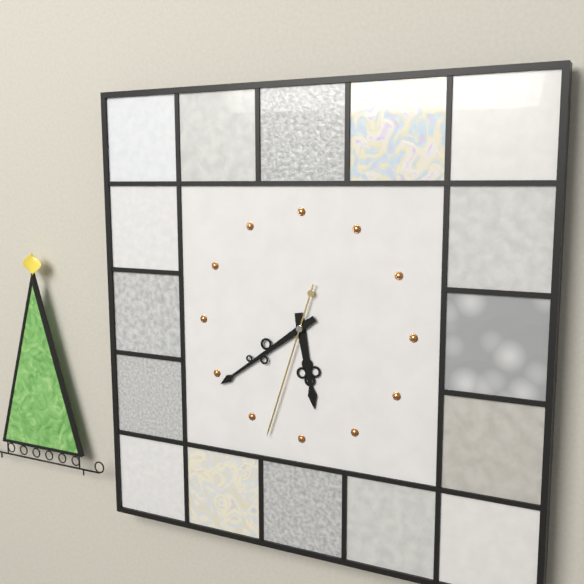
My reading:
**5:39:33**
